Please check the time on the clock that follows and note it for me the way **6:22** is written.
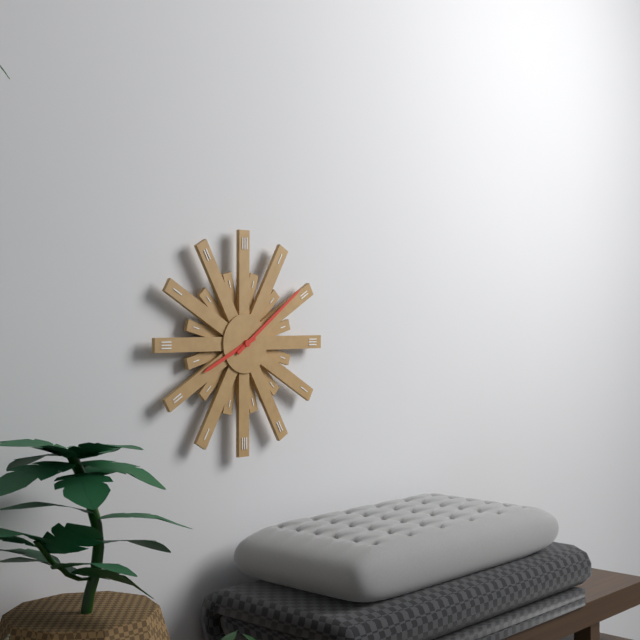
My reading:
**8:09**
